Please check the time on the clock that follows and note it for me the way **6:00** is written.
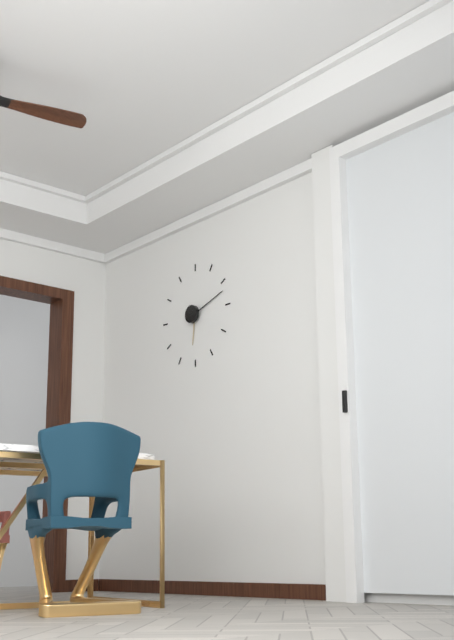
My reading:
**6:12**
